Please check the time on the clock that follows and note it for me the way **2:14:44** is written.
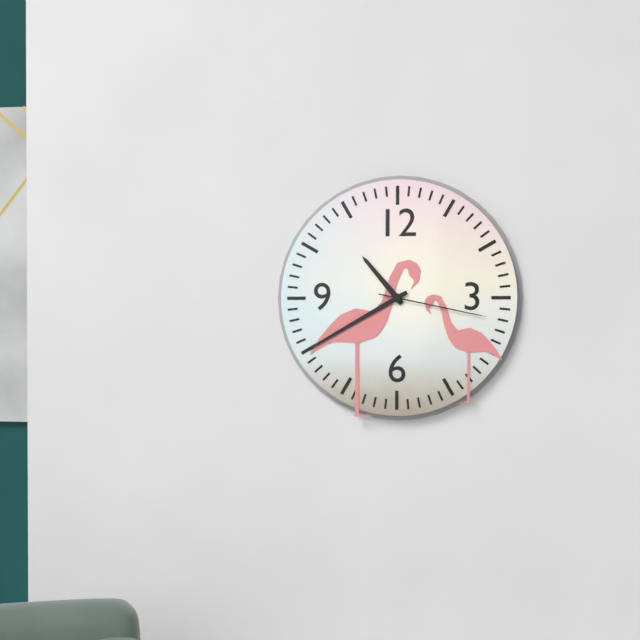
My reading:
**10:40:17**
